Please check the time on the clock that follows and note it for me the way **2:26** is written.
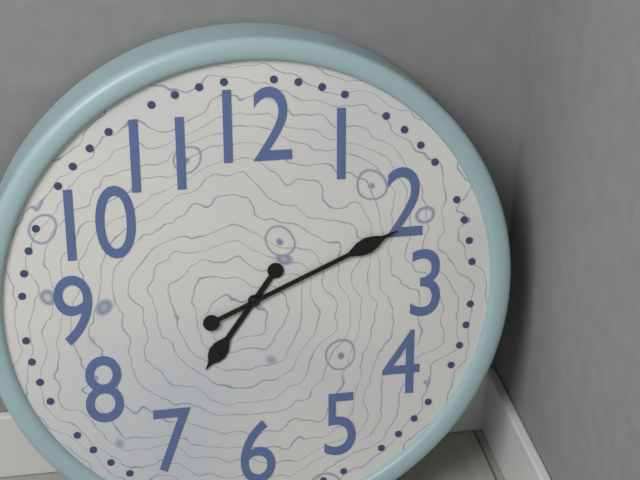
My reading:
**7:11**
